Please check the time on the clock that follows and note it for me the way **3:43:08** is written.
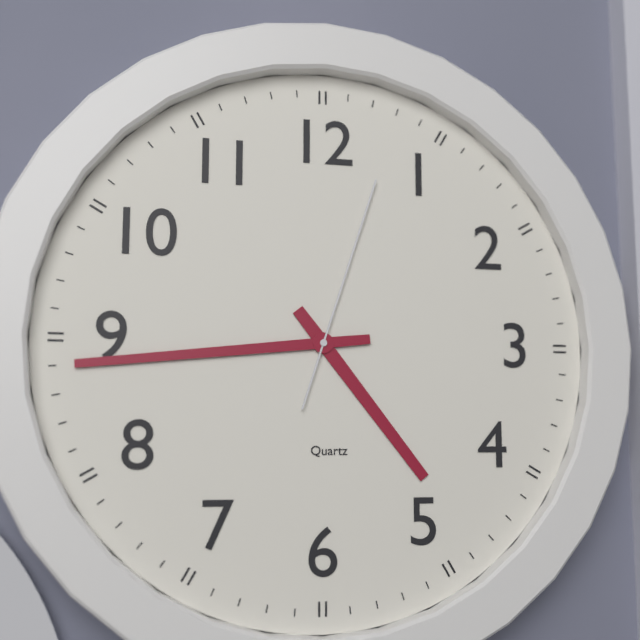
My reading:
**4:44:03**
